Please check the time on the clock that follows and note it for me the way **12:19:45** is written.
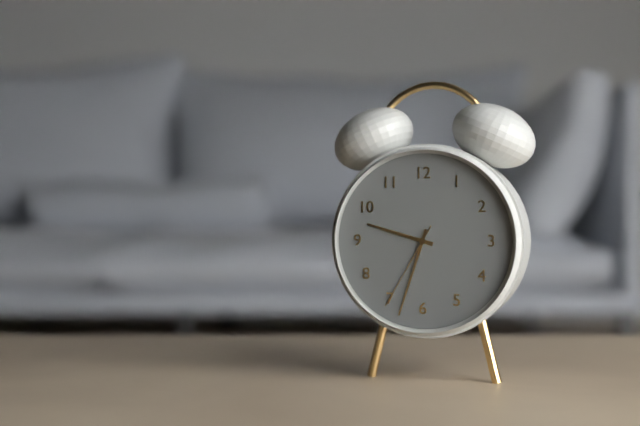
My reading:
**9:33:35**
